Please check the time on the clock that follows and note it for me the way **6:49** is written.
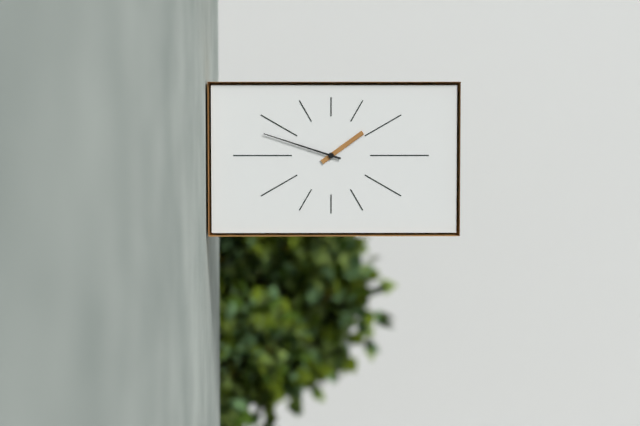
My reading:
**1:48**
